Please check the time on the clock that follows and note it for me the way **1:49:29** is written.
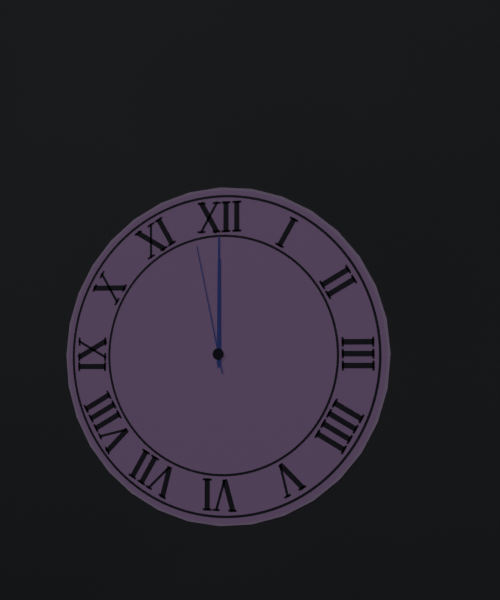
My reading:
**12:00:58**
